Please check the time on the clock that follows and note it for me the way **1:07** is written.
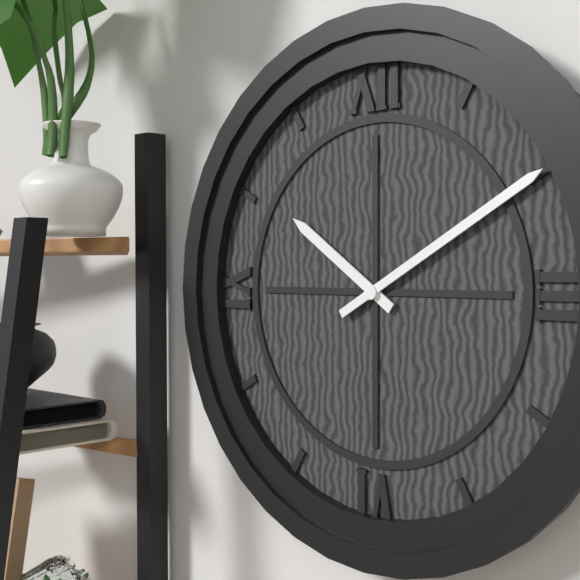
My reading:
**10:10**
